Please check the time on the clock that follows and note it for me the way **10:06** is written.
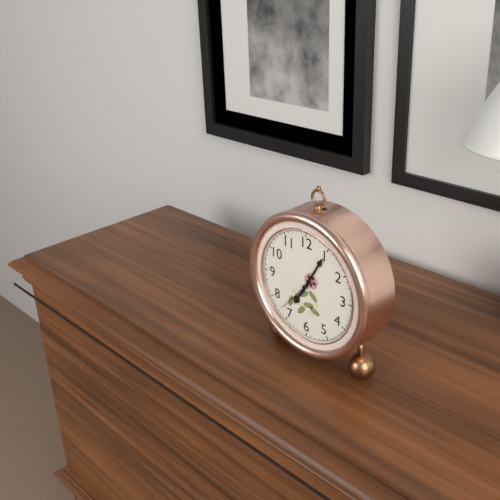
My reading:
**7:05**
